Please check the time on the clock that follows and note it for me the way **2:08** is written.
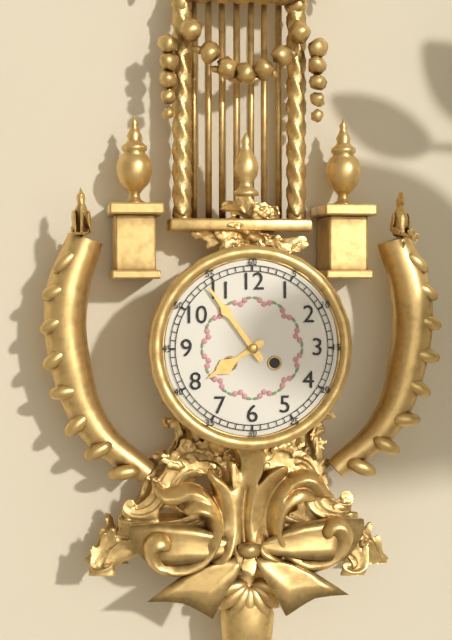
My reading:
**7:54**
